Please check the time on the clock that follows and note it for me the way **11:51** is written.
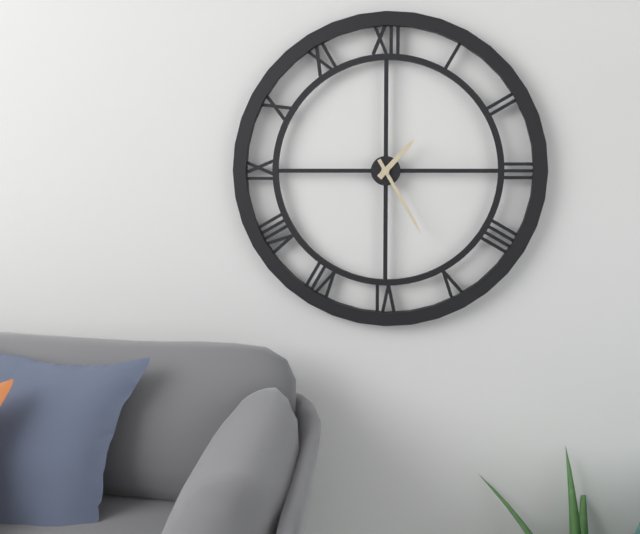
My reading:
**1:25**
